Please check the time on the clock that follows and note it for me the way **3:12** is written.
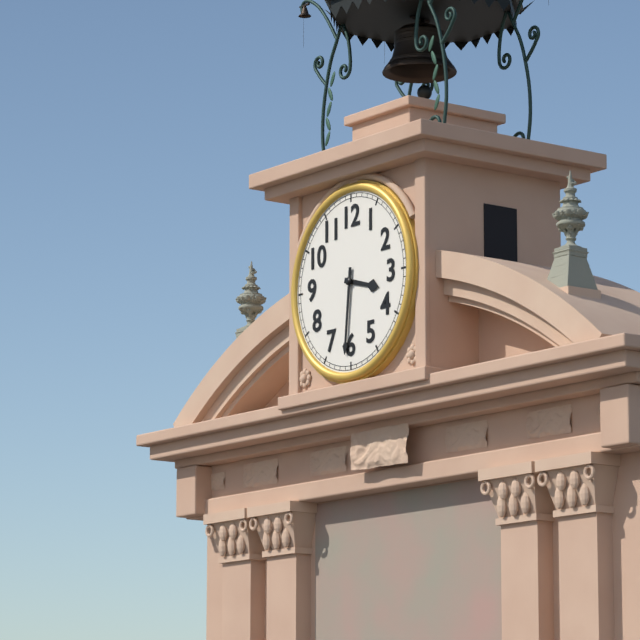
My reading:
**3:31**
